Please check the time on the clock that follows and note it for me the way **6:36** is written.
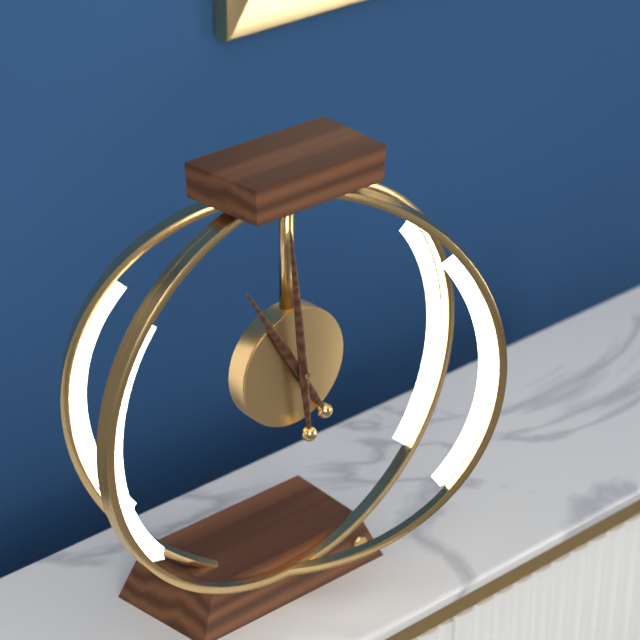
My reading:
**10:59**
